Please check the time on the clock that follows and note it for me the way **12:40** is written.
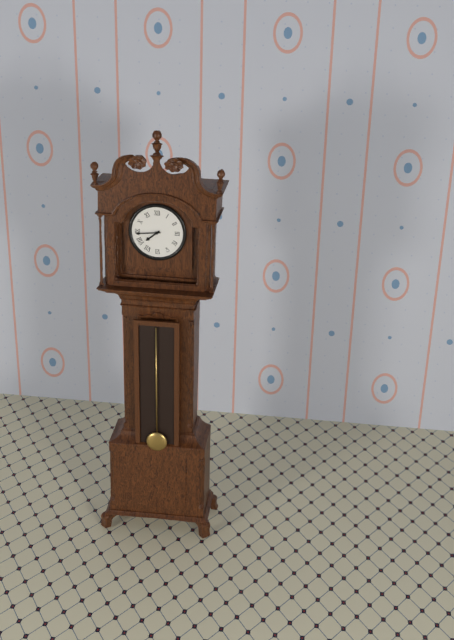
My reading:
**7:44**
